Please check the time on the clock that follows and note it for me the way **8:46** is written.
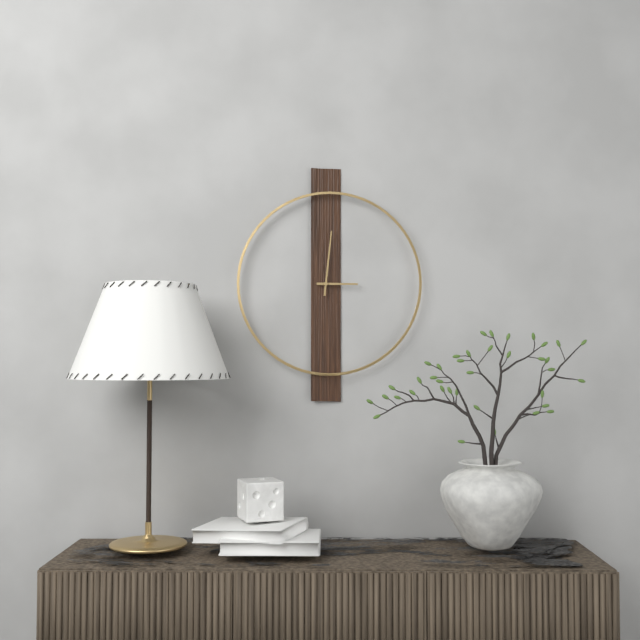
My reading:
**3:01**
